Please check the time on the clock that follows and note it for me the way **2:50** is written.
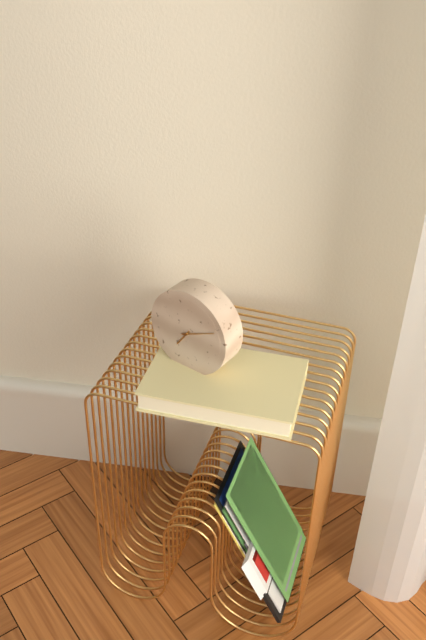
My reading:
**7:11**
